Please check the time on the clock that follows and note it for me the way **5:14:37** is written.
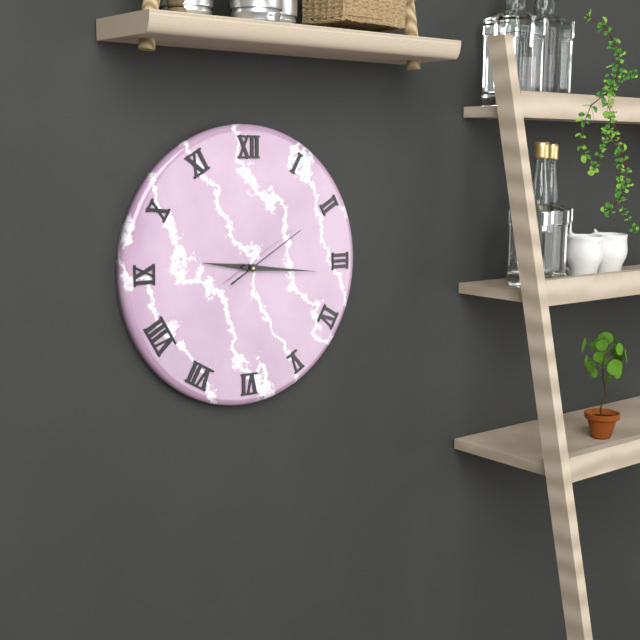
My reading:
**9:16:10**
